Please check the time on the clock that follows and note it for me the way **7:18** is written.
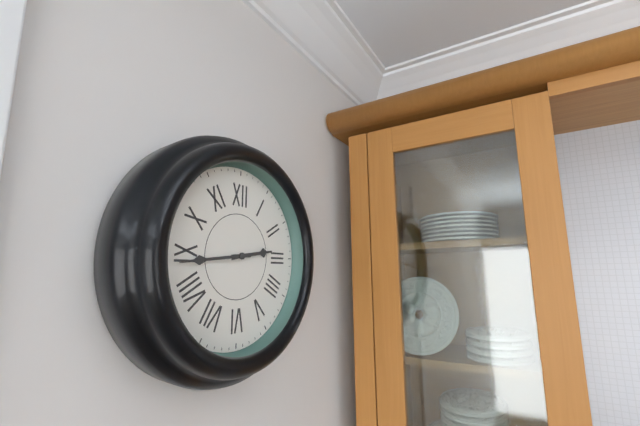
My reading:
**2:44**
